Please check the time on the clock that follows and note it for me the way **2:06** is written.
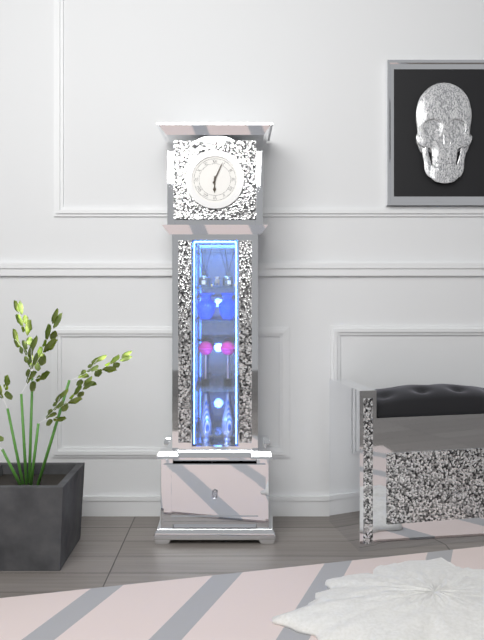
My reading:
**6:04**
